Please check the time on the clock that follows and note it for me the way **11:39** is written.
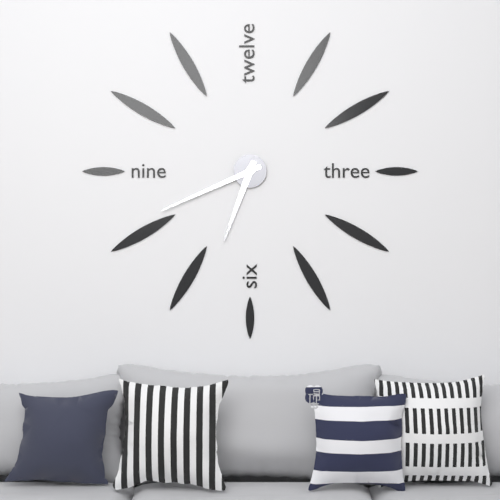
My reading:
**6:41**
